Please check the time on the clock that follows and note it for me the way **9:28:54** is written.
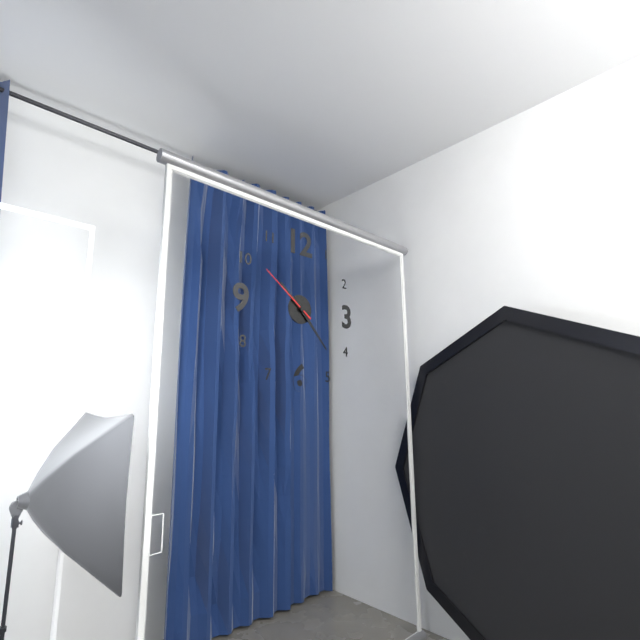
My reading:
**10:23:51**
